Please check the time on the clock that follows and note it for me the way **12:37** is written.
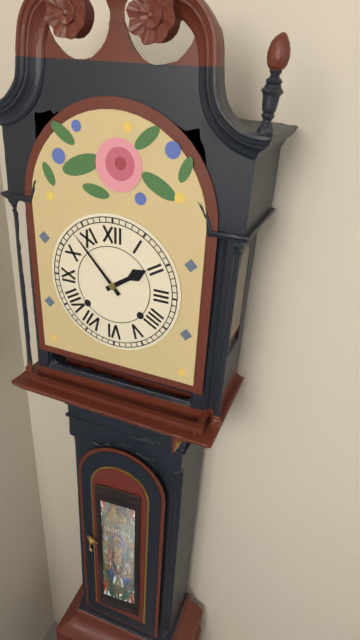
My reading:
**1:53**
